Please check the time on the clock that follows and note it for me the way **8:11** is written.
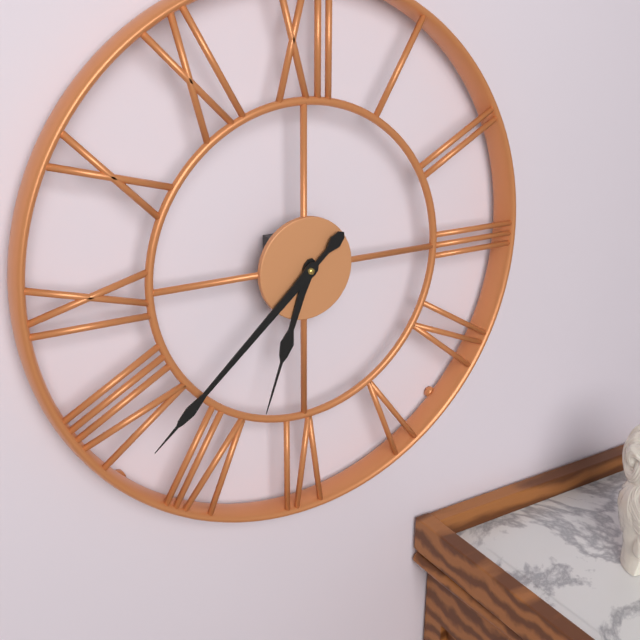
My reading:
**6:38**
